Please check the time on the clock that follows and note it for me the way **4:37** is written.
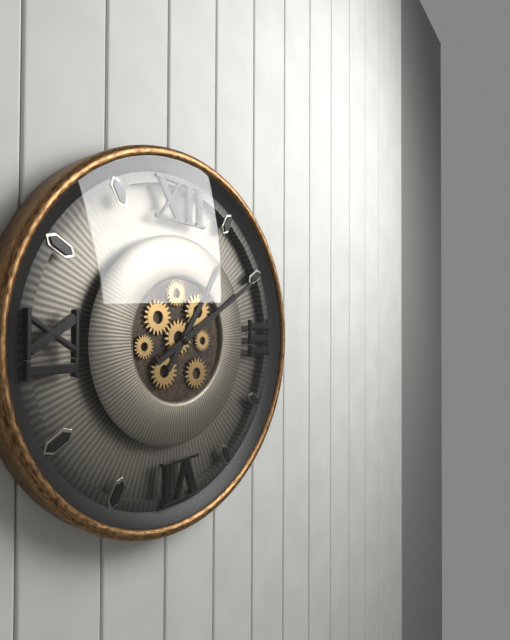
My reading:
**1:10**
